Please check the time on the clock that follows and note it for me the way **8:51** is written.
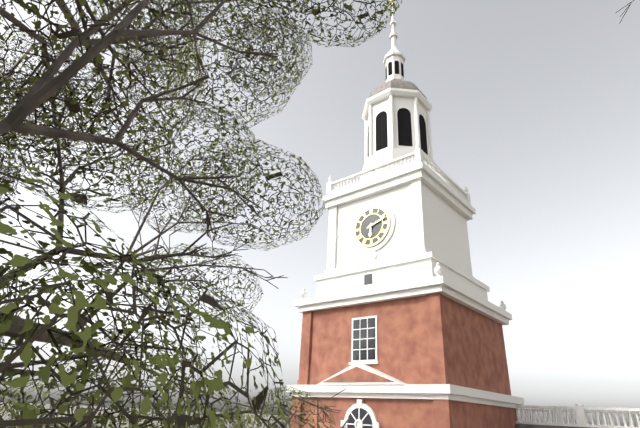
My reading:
**6:12**
